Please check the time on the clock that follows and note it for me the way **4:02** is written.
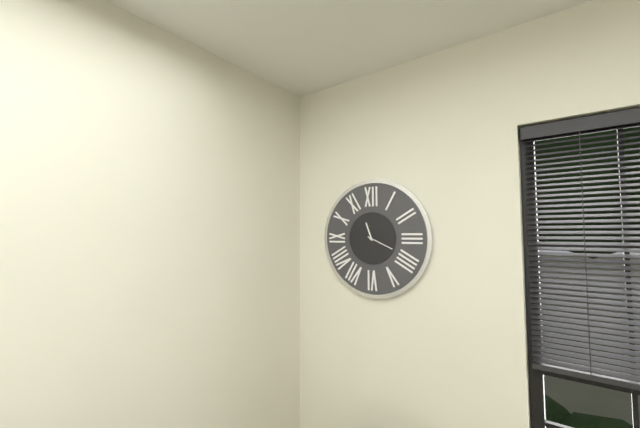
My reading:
**11:19**
